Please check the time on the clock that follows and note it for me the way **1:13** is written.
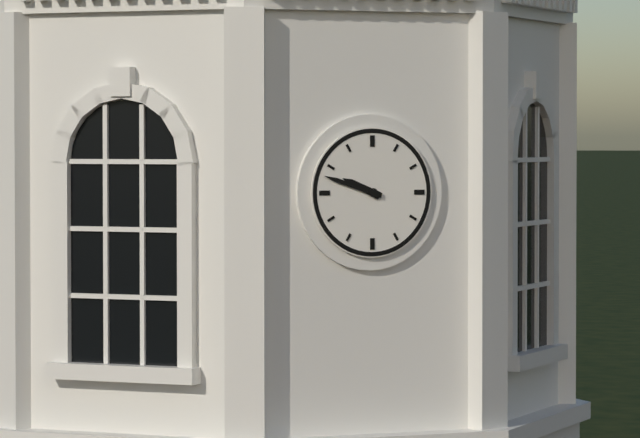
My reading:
**9:48**
